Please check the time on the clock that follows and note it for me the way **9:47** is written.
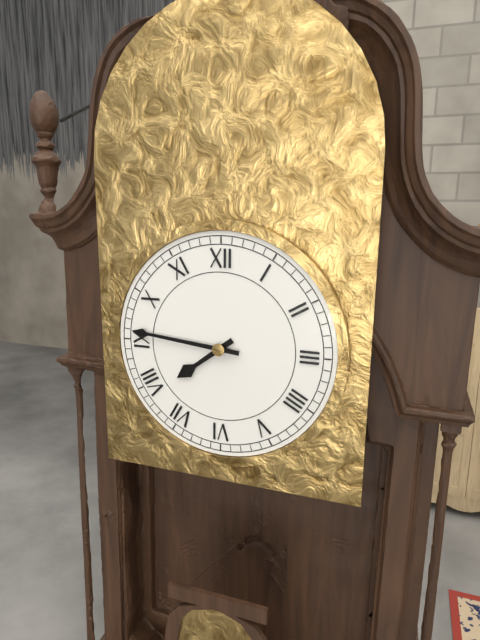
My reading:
**7:46**
